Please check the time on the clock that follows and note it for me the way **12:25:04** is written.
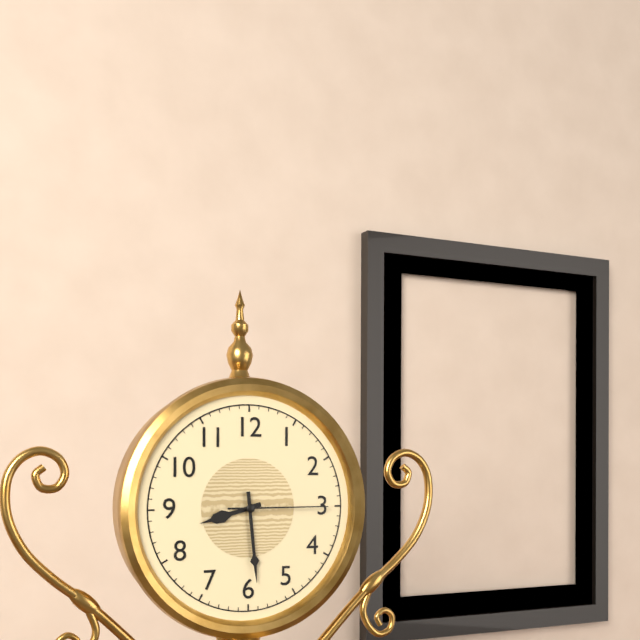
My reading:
**8:29:15**
